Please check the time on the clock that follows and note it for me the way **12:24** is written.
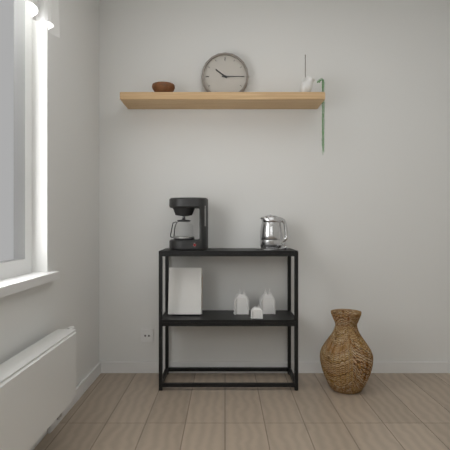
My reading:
**10:15**
